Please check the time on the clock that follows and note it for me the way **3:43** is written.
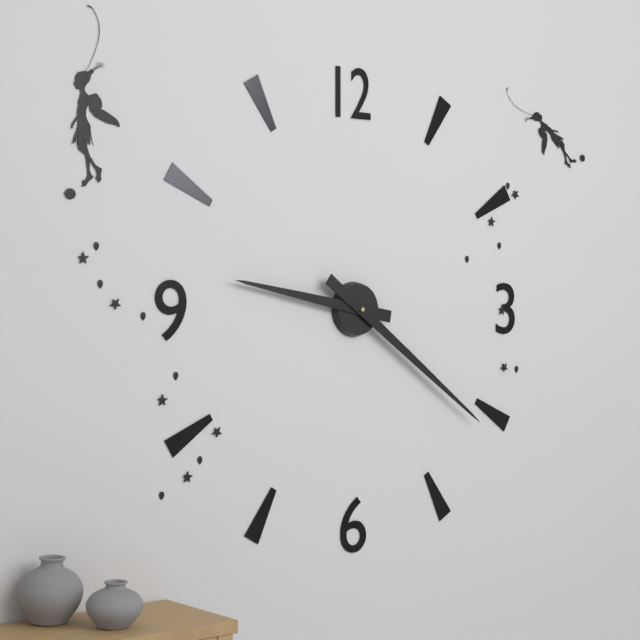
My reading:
**9:21**
